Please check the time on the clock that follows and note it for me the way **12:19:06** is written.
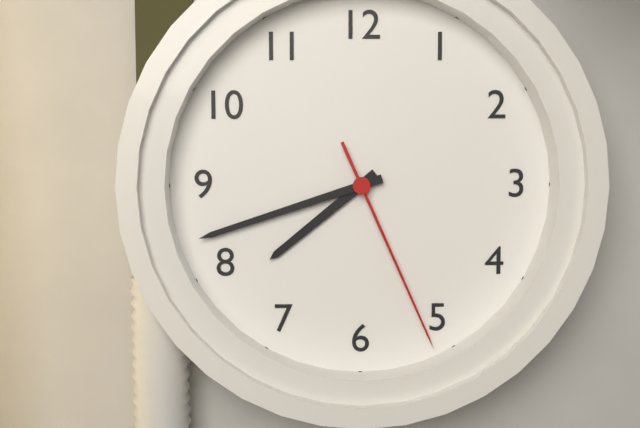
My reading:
**7:42:26**
